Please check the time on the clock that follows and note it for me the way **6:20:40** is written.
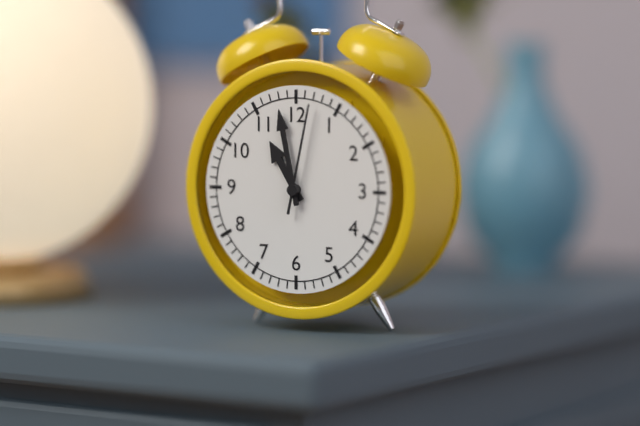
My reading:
**10:58:02**
